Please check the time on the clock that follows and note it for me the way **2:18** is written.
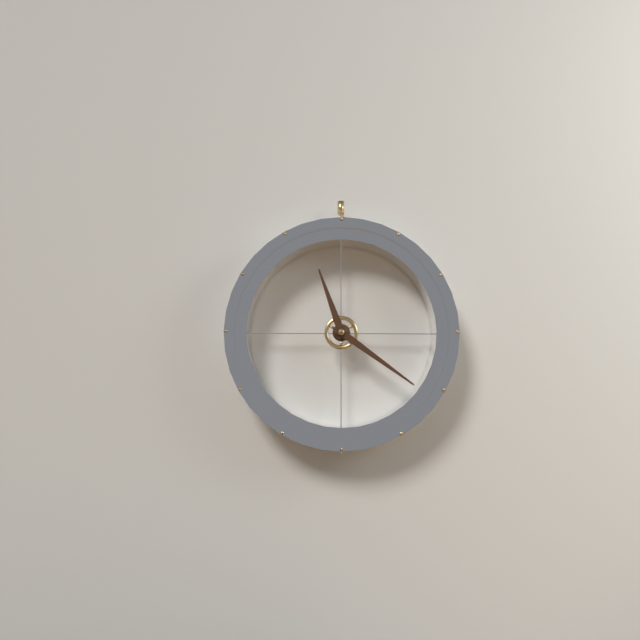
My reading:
**11:21**
